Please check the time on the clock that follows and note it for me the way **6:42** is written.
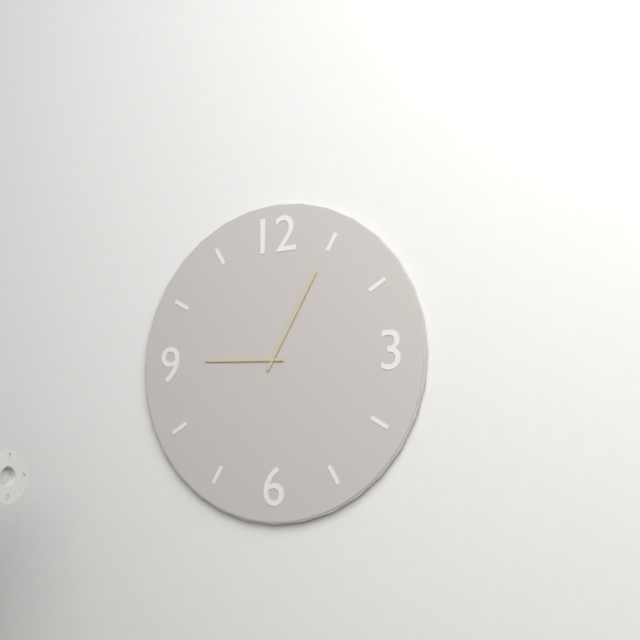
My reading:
**9:05**
